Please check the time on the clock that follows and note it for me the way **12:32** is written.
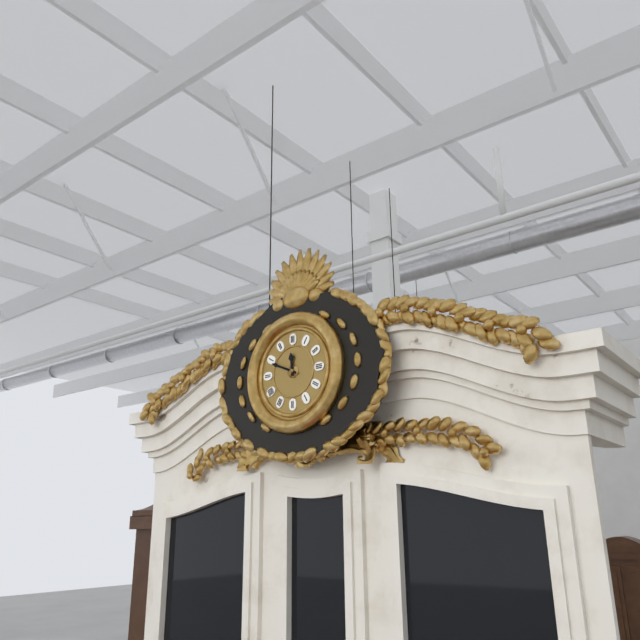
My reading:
**11:49**
